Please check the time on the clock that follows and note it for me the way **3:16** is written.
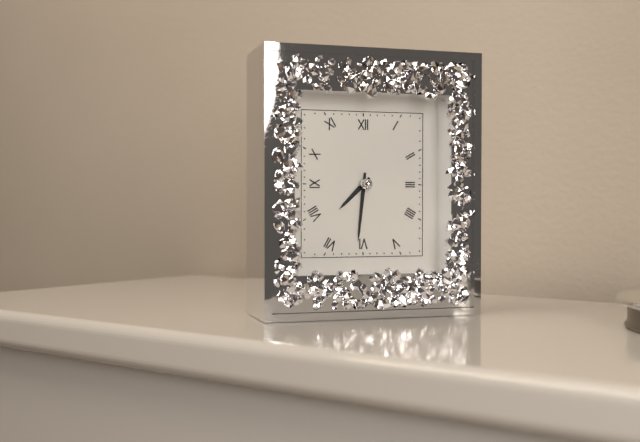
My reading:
**7:31**
